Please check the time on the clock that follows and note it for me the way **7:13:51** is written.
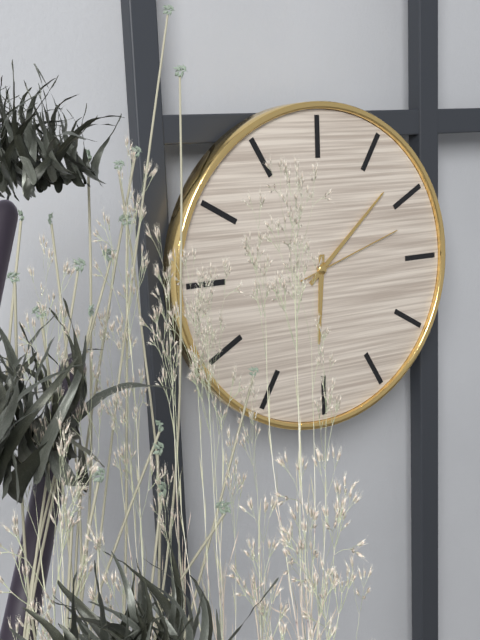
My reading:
**6:08:12**
